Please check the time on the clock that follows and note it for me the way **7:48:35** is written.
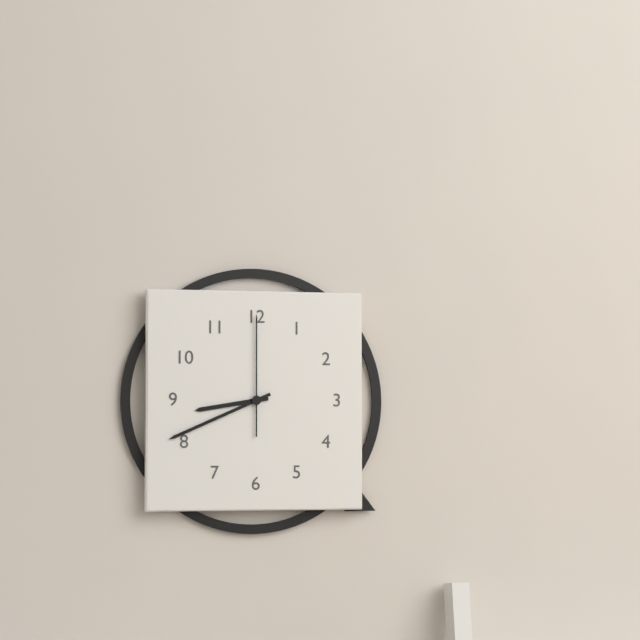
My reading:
**8:41:00**
